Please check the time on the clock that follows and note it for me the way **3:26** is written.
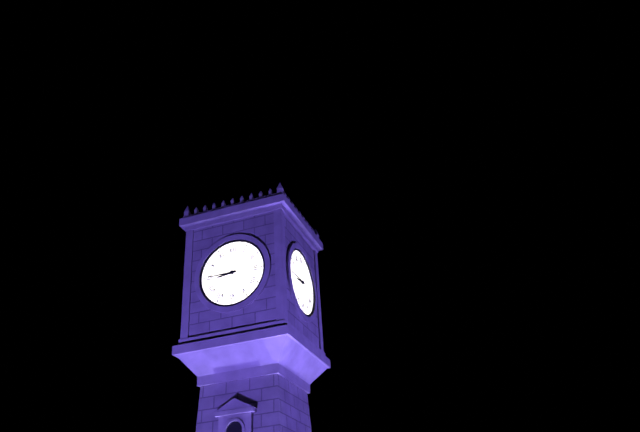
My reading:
**8:45**
